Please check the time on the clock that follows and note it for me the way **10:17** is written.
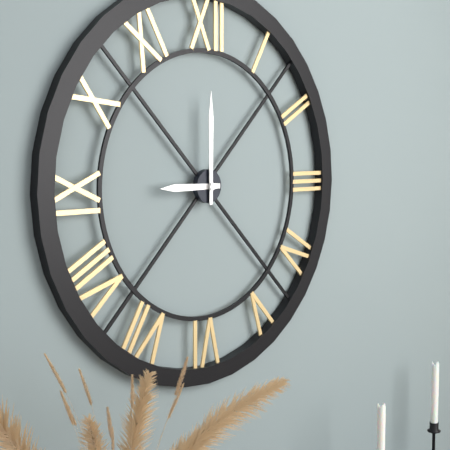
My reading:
**9:00**
